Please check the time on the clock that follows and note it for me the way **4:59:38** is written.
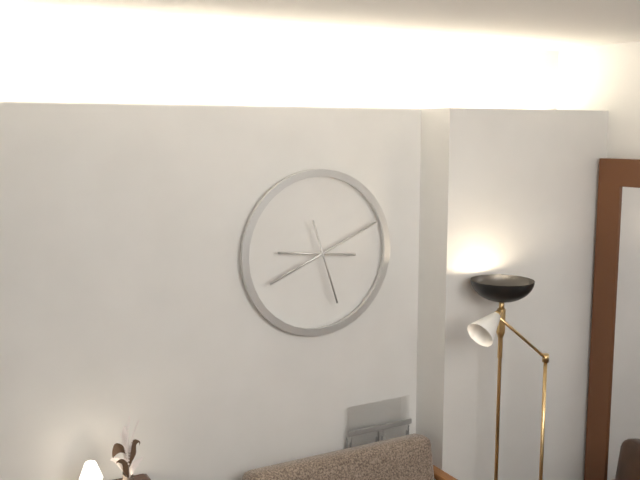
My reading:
**9:11:27**
